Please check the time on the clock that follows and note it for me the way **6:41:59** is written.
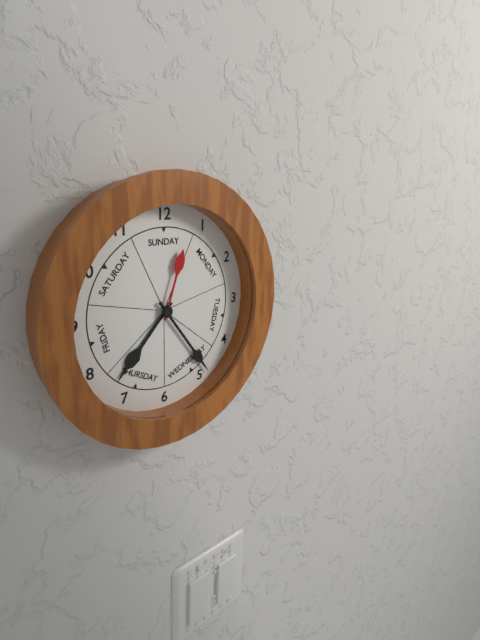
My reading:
**7:24:03**
